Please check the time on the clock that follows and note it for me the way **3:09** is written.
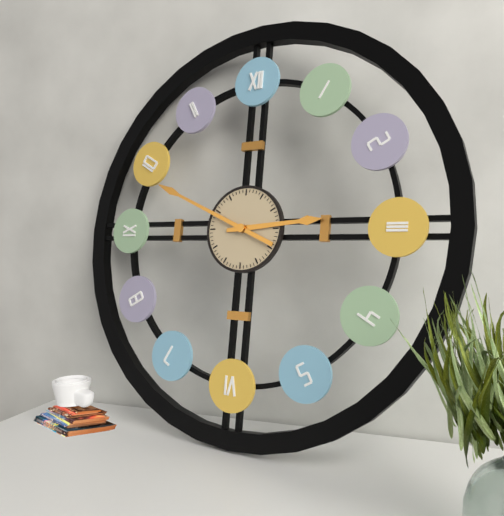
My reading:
**2:49**
